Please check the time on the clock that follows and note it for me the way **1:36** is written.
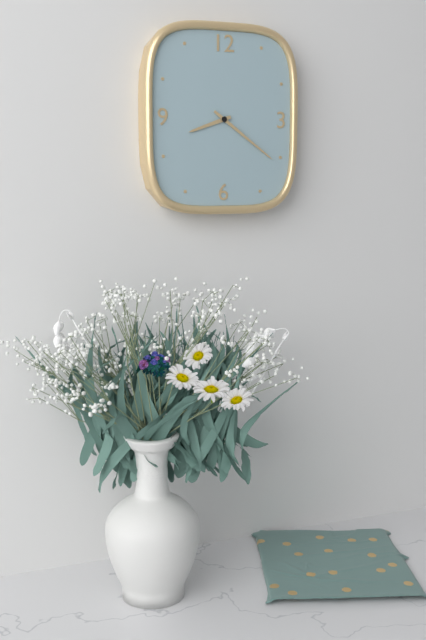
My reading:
**8:21**
